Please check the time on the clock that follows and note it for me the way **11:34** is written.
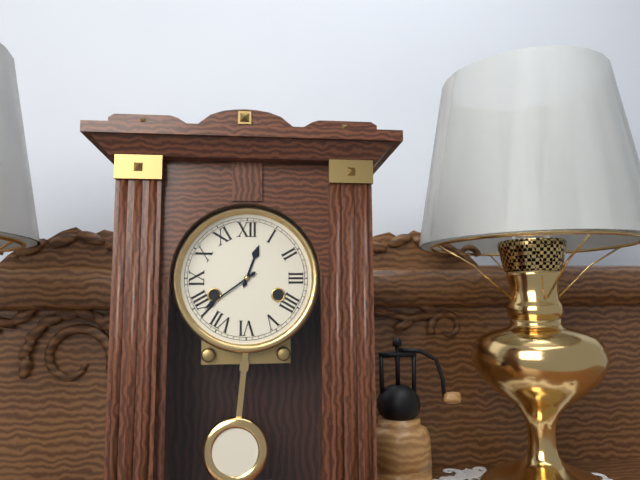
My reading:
**12:39**
